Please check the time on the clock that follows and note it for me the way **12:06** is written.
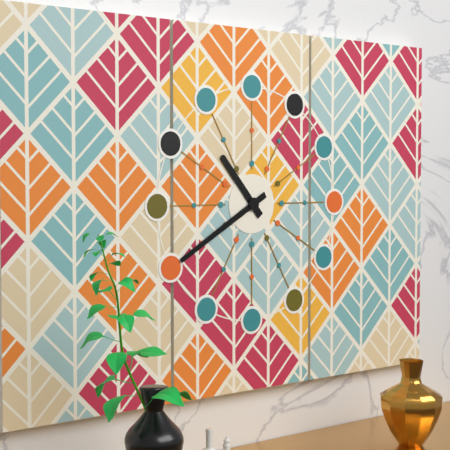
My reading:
**10:40**
